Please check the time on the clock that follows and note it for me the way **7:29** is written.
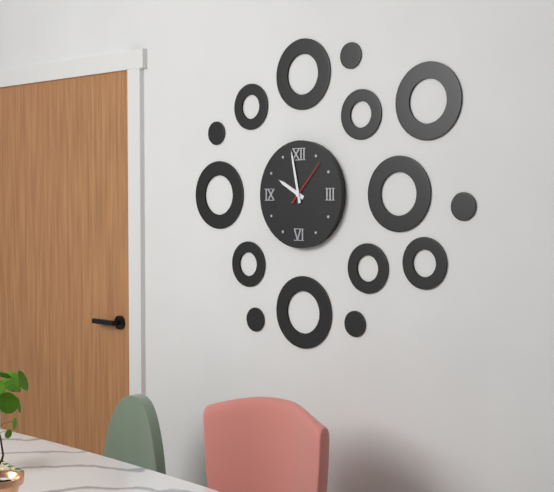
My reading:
**9:58**
